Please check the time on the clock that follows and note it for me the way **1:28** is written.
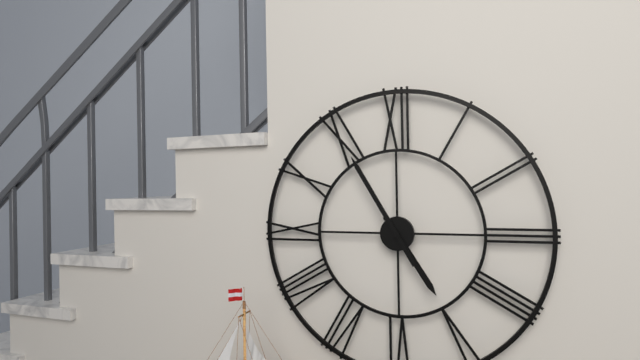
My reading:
**4:55**
